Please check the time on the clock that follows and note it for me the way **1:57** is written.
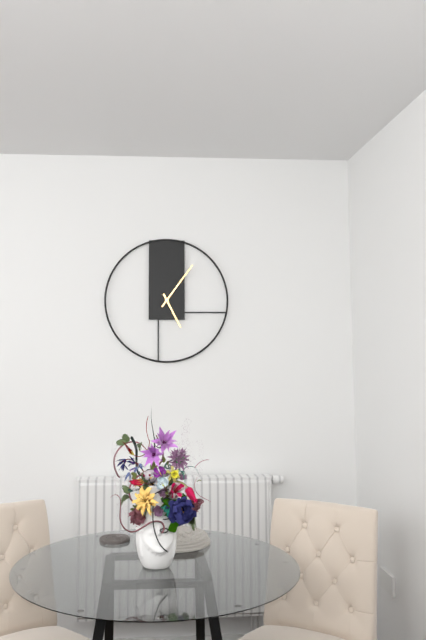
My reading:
**5:06**
